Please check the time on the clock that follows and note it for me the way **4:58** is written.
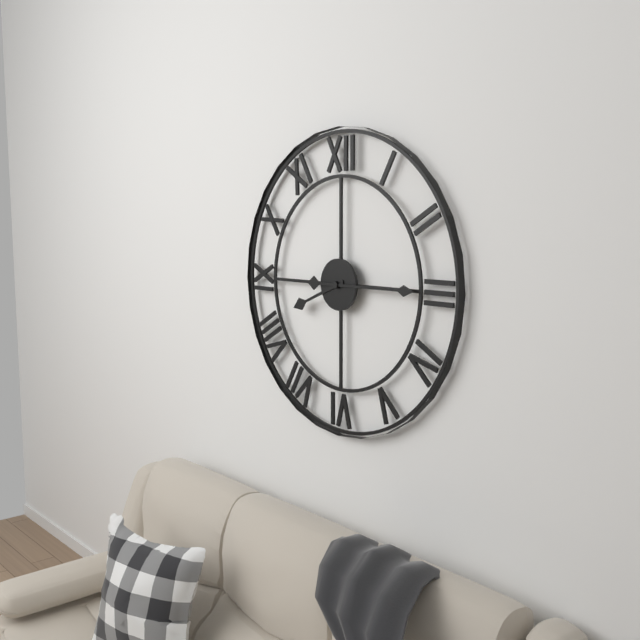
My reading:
**8:15**
